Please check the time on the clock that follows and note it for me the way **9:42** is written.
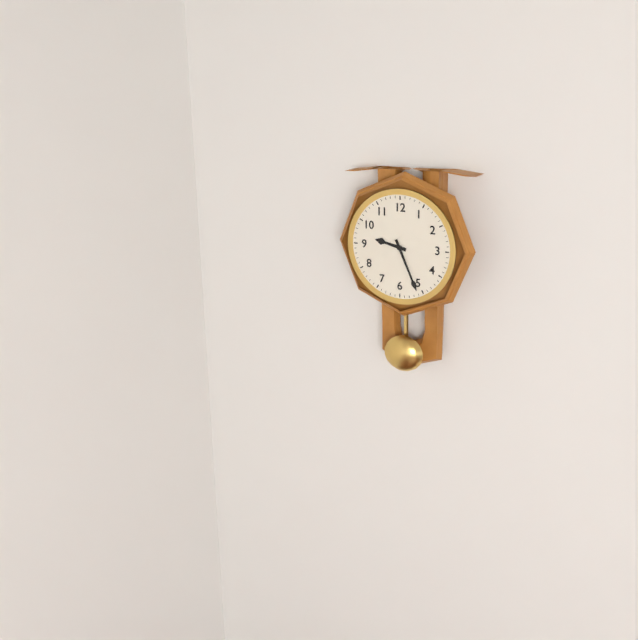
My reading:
**9:26**
